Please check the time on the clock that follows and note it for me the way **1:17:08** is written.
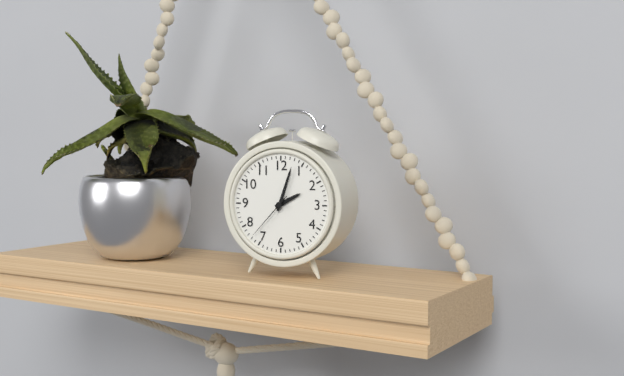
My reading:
**2:03:37**
